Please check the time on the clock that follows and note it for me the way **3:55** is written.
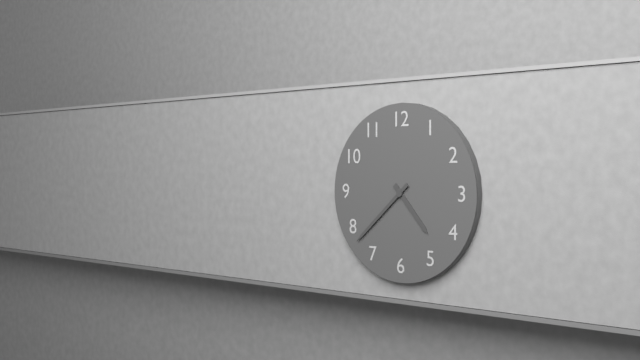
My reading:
**4:38**
